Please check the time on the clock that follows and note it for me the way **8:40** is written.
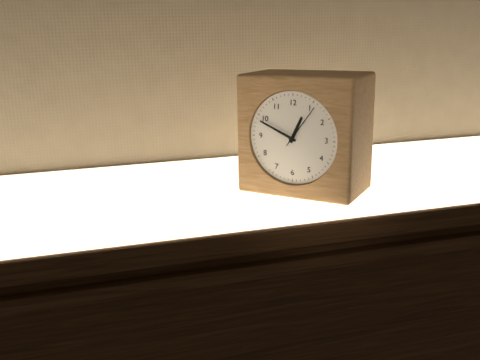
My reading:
**12:49**
